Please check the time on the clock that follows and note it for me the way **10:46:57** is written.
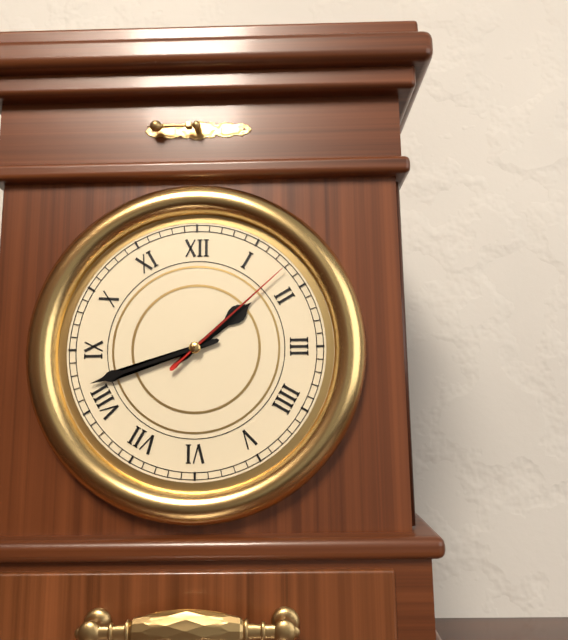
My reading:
**1:42:08**
